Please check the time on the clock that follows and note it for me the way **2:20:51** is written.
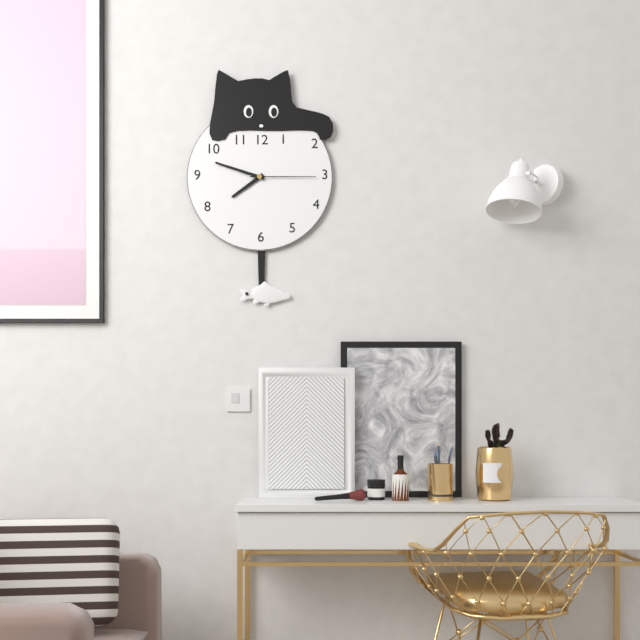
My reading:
**7:48:15**
